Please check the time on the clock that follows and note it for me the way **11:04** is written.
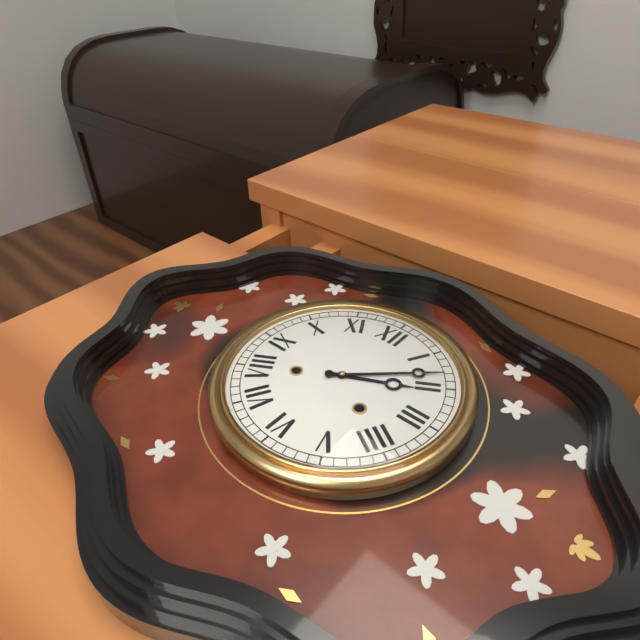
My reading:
**2:08**
